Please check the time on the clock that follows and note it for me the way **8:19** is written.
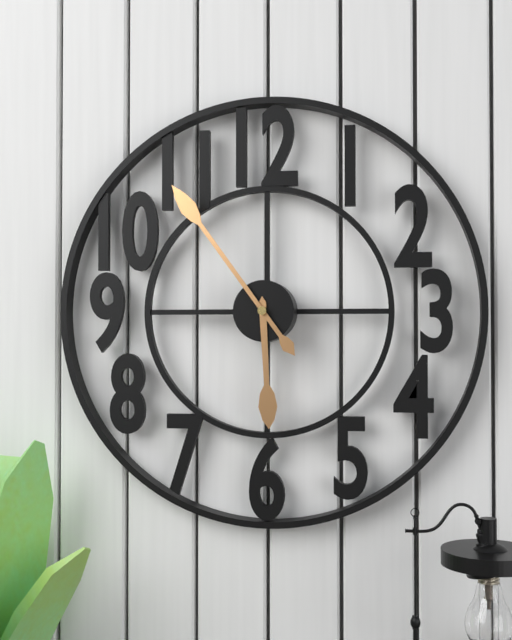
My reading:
**5:54**
